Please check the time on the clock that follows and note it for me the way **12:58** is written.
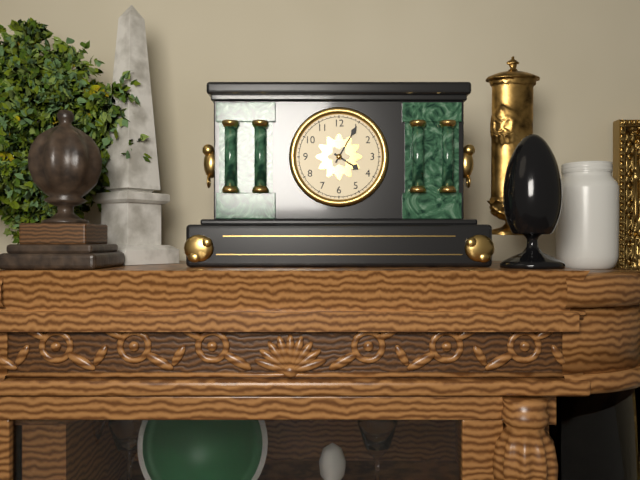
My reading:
**4:05**
